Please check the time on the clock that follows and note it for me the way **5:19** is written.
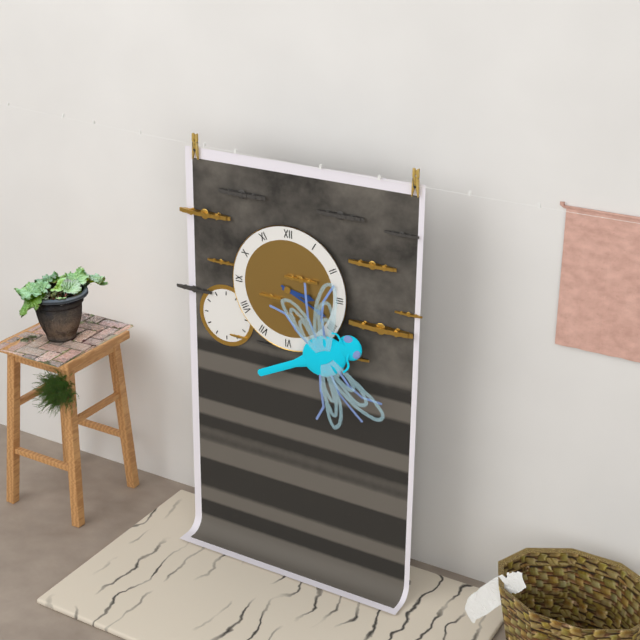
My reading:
**3:19**
